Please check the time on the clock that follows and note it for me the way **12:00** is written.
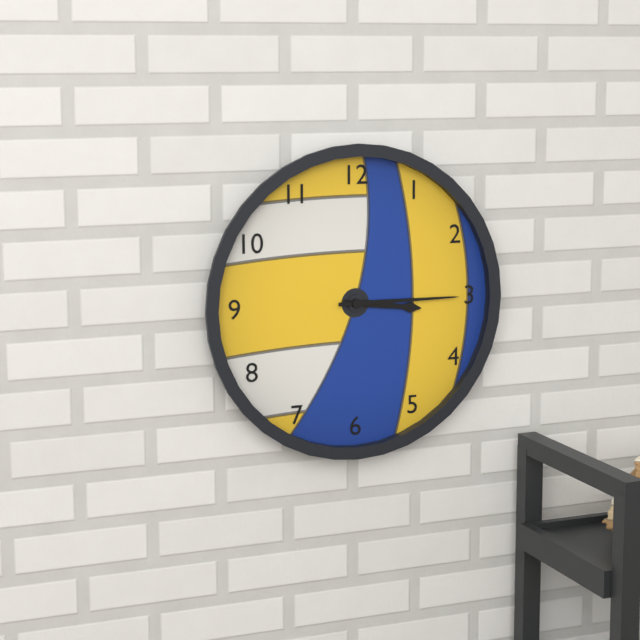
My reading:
**3:15**
